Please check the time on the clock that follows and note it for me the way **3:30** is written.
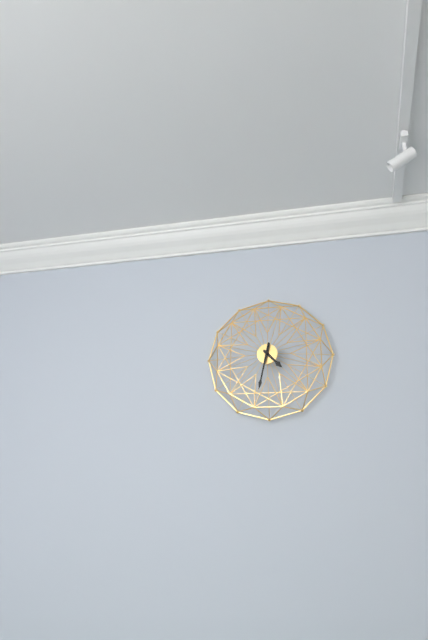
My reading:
**4:32**
